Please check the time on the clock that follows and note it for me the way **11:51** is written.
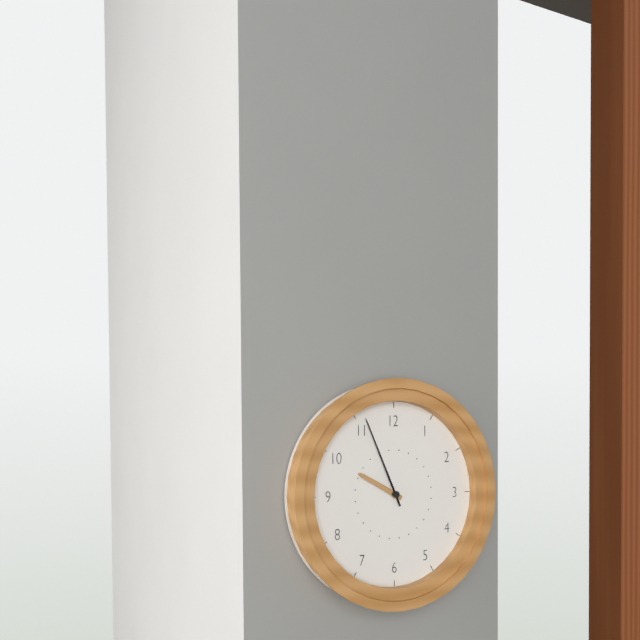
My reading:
**9:56**
